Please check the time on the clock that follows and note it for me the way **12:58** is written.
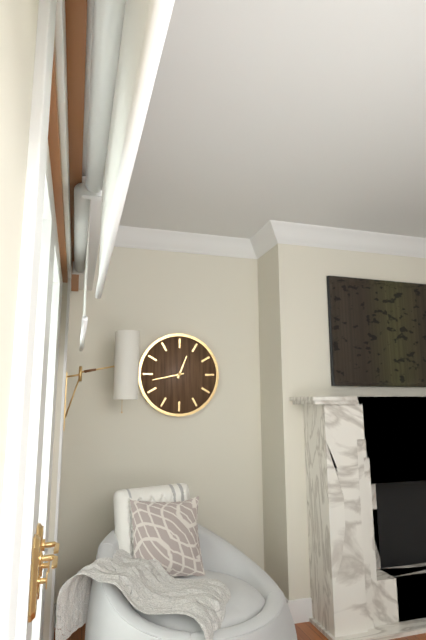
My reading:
**12:43**
